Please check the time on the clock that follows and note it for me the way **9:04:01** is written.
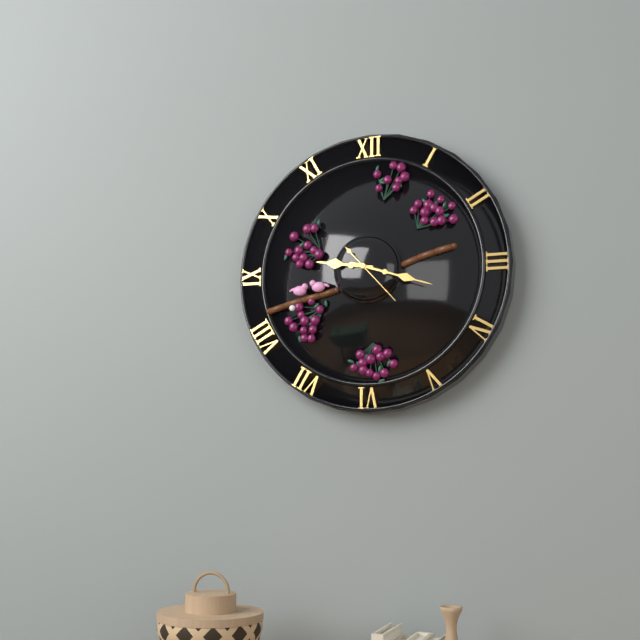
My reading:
**9:18:23**
